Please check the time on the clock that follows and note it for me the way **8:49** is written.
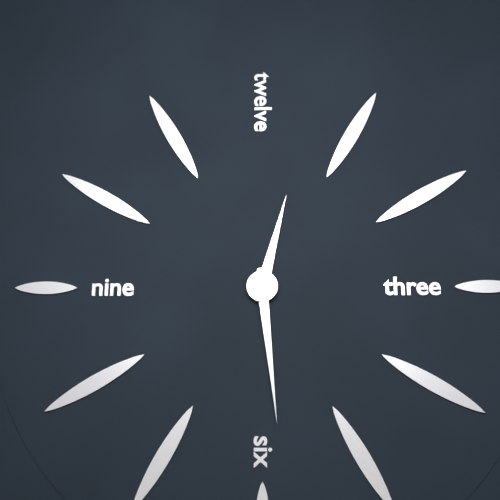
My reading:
**12:29**
